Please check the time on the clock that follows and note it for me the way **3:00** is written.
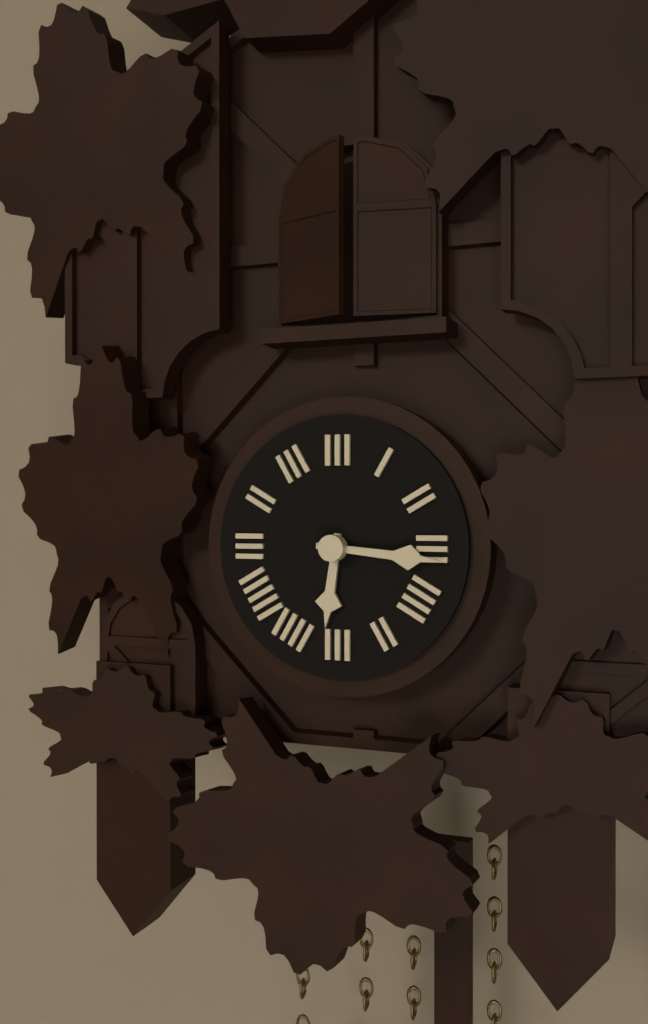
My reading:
**6:16**
